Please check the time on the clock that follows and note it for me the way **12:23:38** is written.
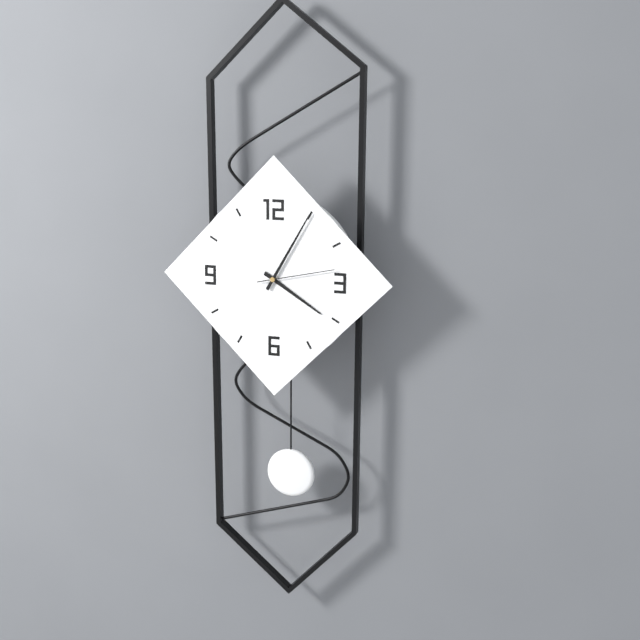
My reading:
**4:05:13**
